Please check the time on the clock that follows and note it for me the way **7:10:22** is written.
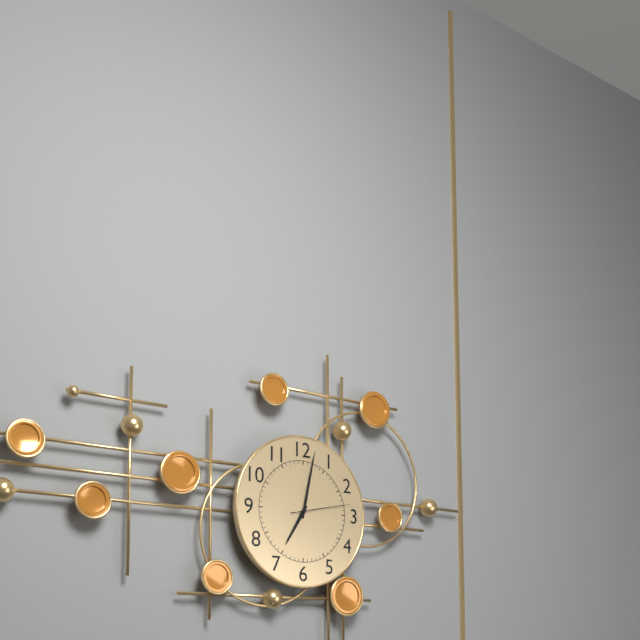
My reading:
**7:02:13**
